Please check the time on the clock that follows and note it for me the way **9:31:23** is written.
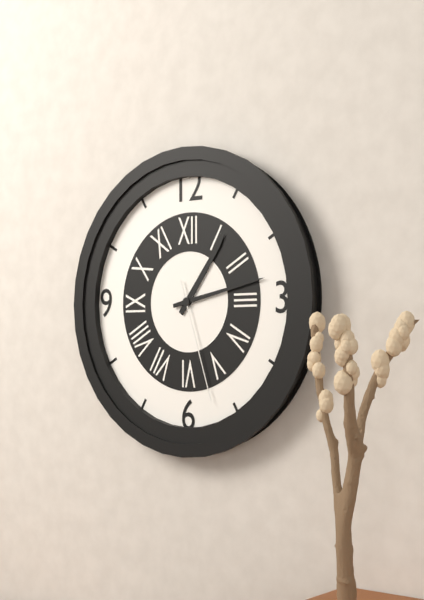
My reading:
**1:13:27**
